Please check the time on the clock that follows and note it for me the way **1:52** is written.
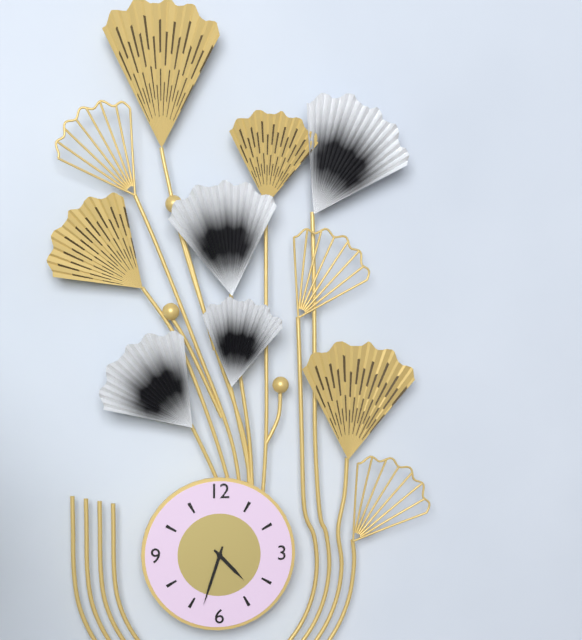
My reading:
**4:33**
